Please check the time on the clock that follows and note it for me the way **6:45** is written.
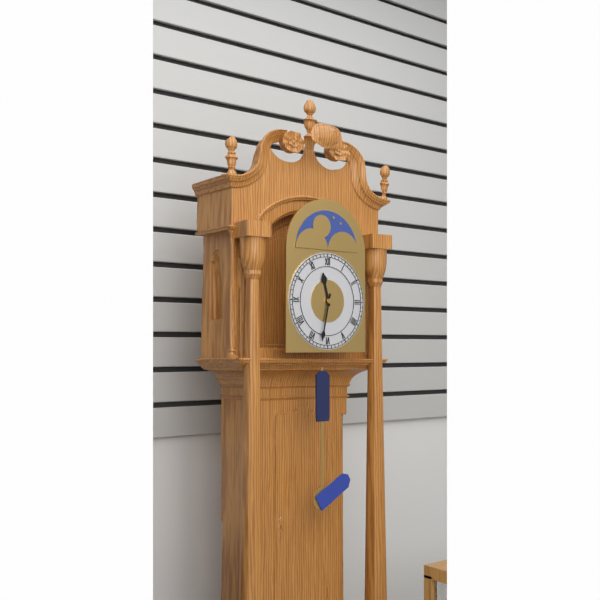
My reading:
**11:32**
